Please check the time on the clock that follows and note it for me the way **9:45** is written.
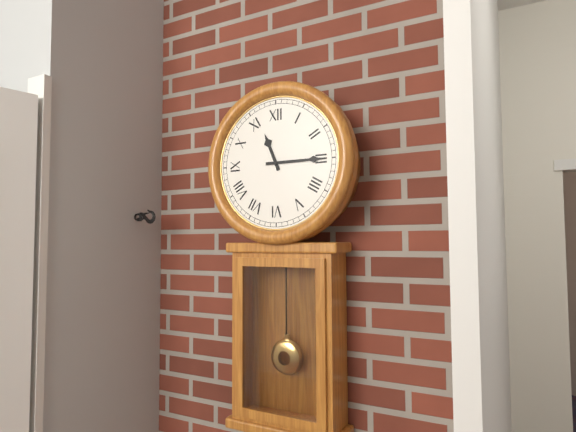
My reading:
**11:15**
